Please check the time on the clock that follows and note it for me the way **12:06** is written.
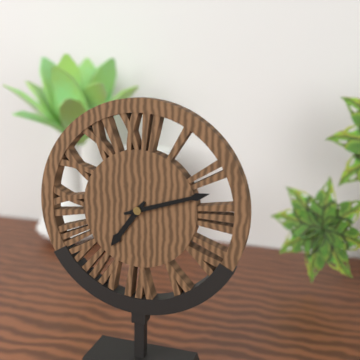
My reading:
**7:12**
